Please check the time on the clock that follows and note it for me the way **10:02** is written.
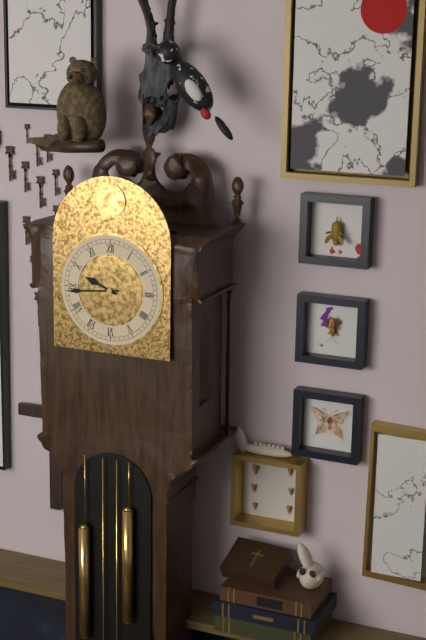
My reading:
**9:44**
